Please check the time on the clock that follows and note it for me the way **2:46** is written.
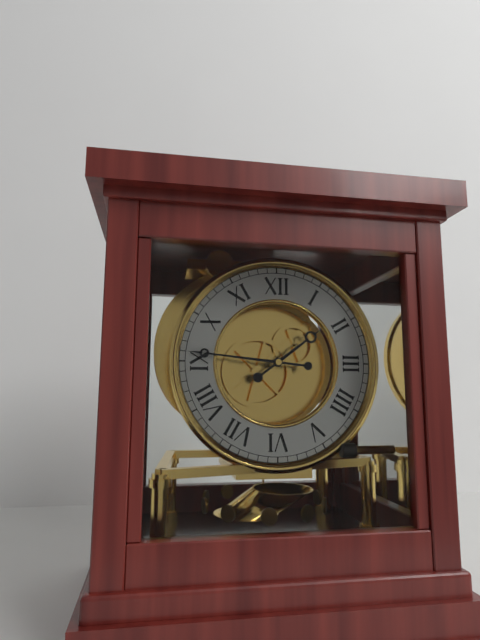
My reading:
**1:46**
